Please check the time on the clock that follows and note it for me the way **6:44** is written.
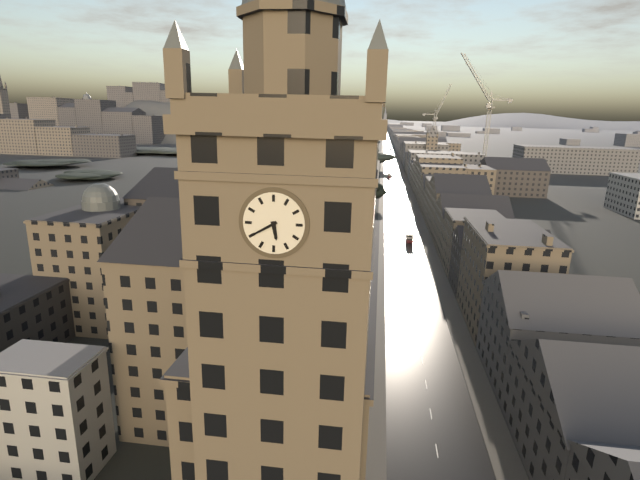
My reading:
**5:40**
